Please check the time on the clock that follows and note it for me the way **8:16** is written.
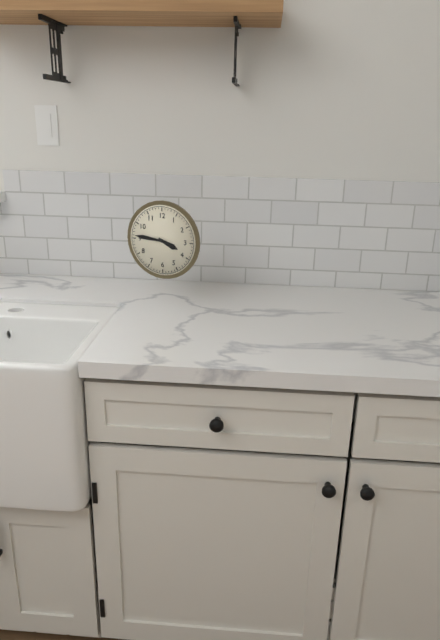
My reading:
**3:46**
